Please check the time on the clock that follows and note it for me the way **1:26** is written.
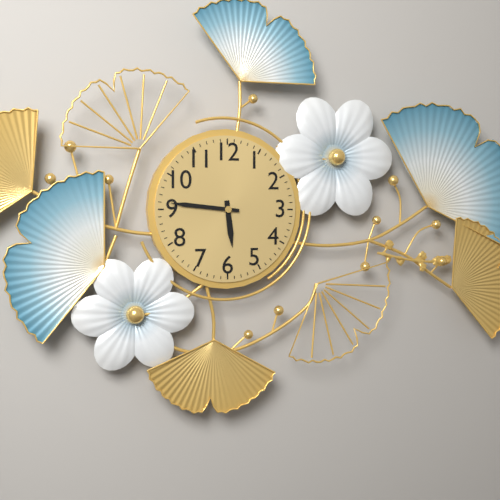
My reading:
**5:46**
